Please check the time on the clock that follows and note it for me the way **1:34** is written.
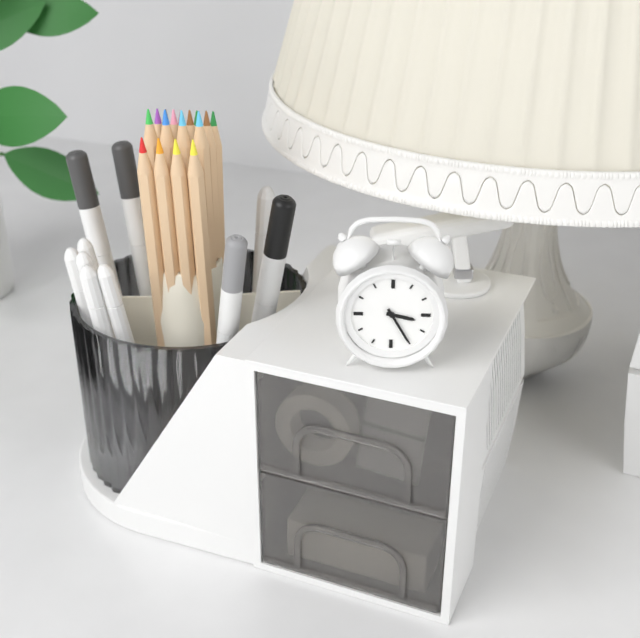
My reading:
**3:25**
